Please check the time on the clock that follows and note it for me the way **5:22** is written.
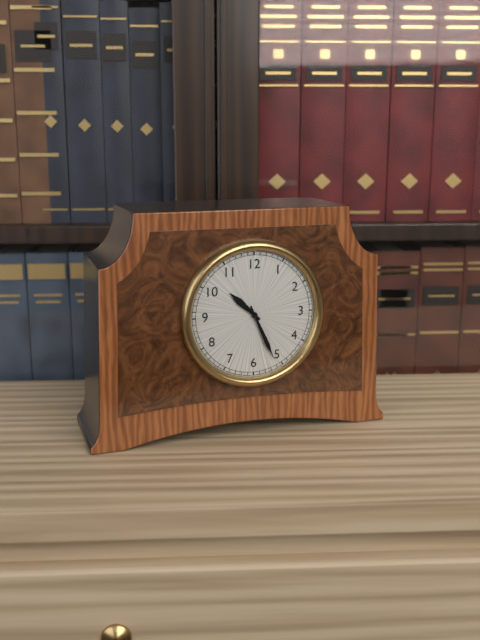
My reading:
**10:26**
